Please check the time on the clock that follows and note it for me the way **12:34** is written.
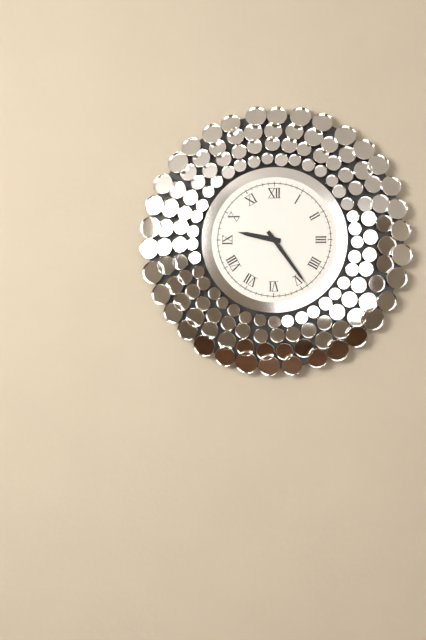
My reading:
**9:24**
